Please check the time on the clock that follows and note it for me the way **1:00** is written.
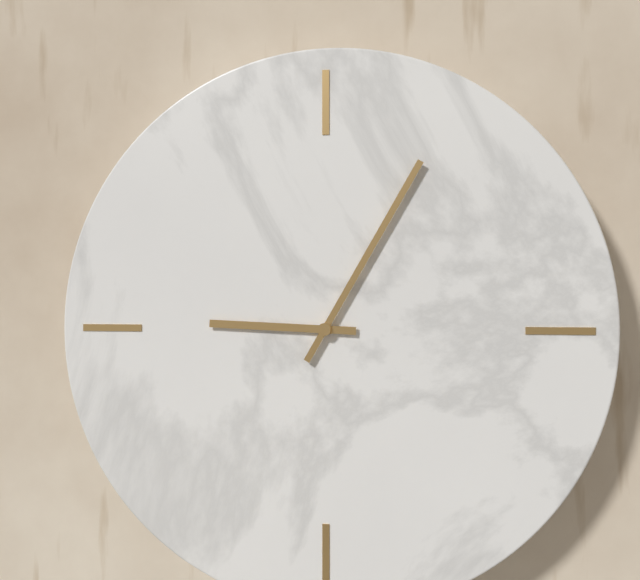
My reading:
**9:05**
